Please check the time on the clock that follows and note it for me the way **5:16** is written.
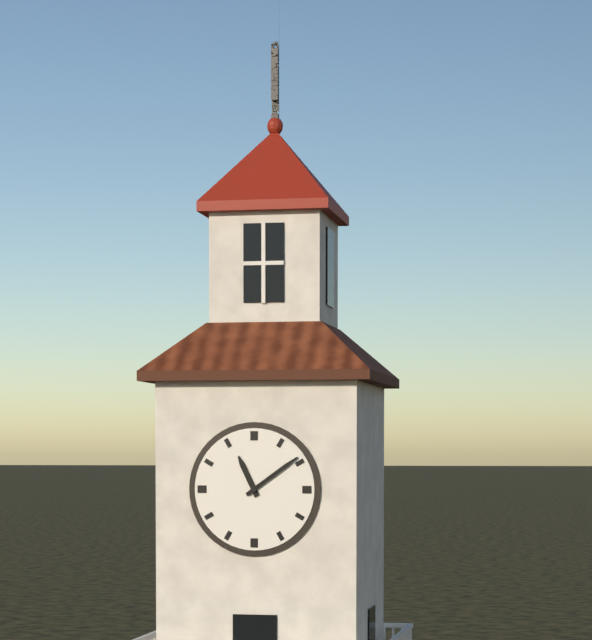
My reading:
**11:09**
